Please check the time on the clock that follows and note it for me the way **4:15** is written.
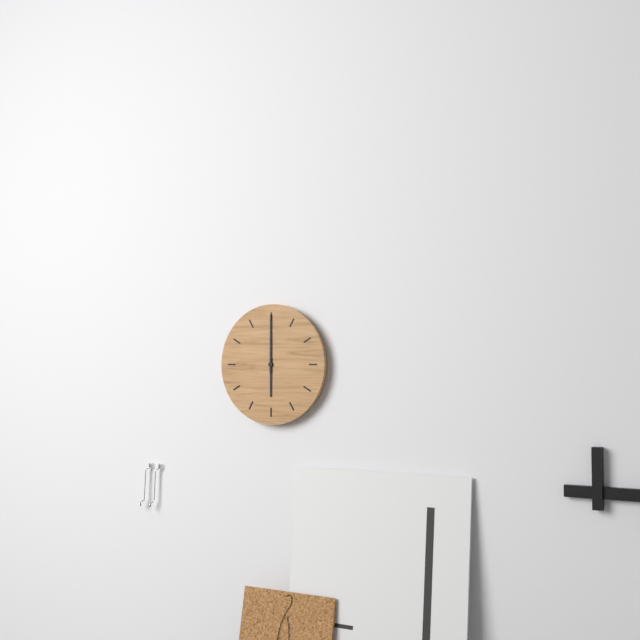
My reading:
**6:00**
